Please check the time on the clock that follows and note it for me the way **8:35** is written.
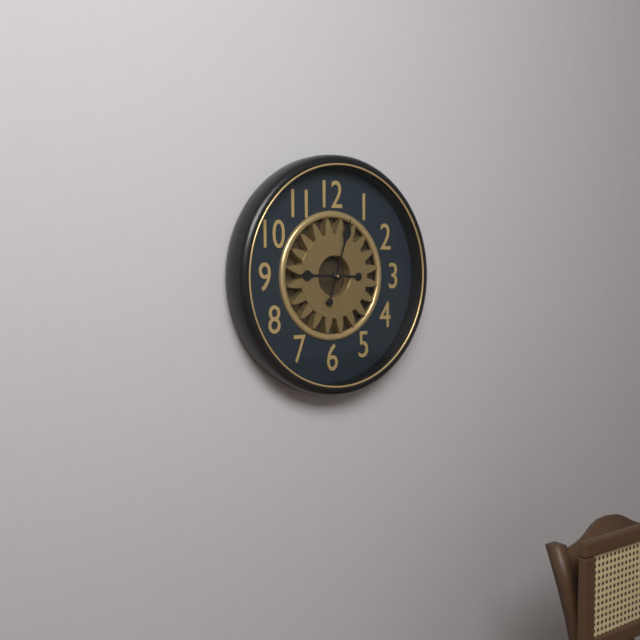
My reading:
**9:03**
